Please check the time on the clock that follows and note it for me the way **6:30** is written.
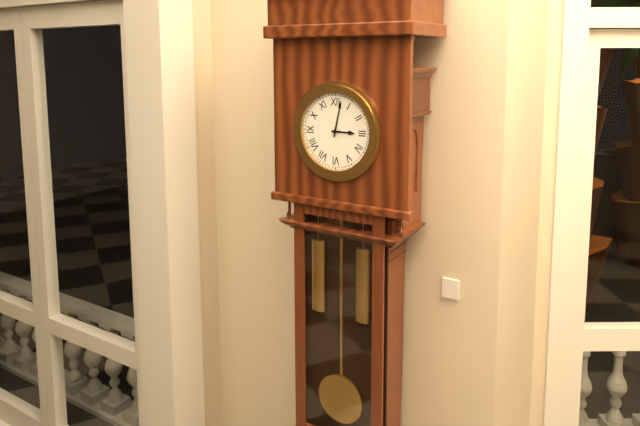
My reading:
**3:02**
